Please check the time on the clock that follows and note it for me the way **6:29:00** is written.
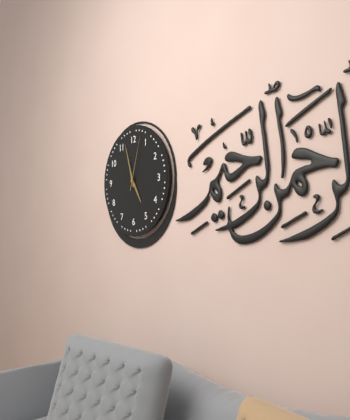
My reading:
**4:57:03**
